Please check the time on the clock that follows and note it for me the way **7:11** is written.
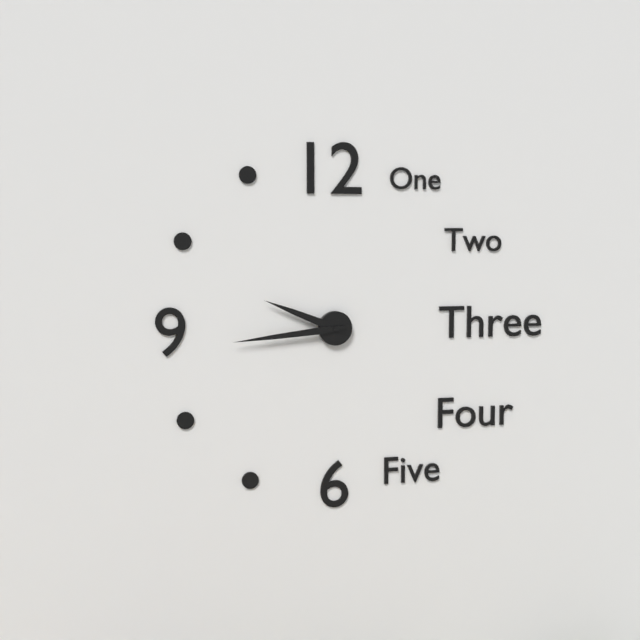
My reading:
**9:44**
